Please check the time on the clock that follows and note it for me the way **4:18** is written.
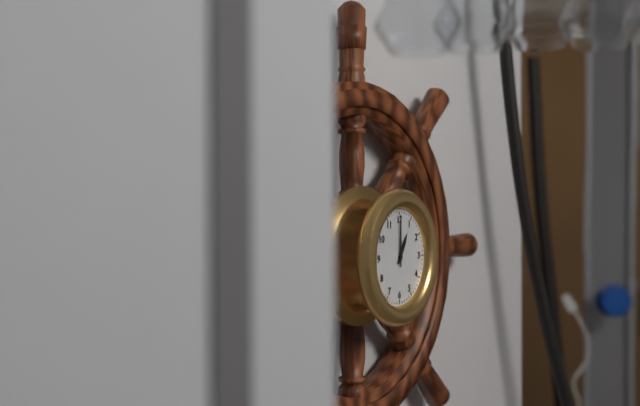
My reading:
**1:00**
